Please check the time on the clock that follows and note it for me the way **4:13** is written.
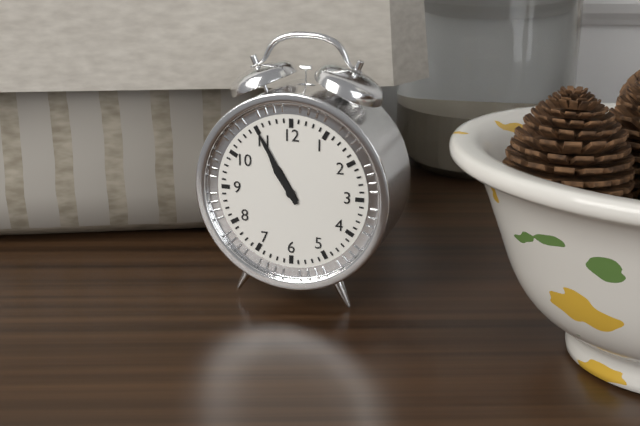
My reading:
**10:55**
